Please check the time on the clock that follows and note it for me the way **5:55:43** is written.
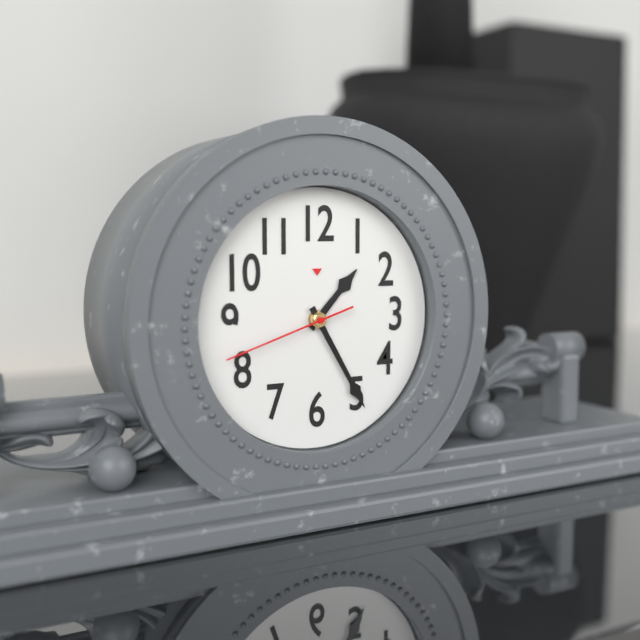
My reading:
**1:25:42**
